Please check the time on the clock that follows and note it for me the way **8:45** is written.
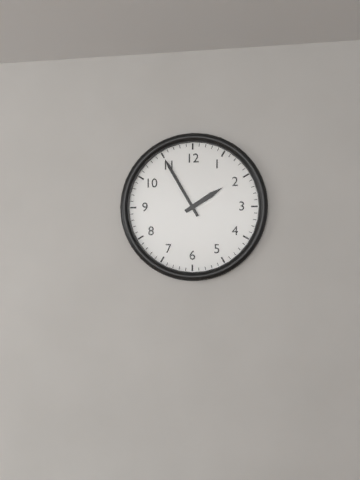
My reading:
**1:55**
